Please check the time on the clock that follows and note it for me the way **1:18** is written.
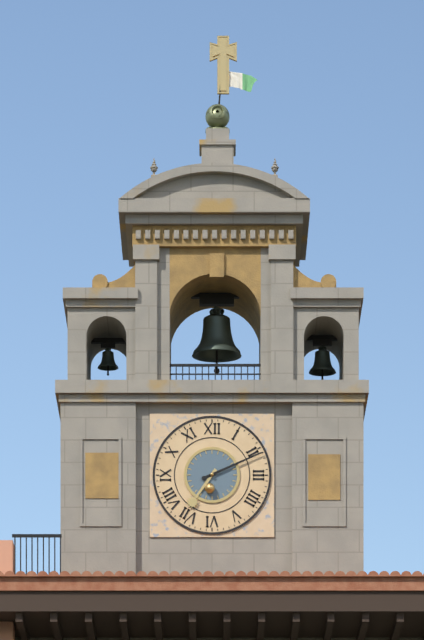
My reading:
**7:11**
